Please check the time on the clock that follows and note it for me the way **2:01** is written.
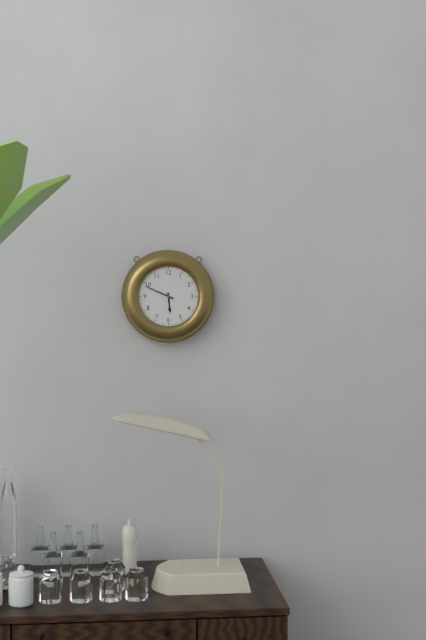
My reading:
**5:49**
